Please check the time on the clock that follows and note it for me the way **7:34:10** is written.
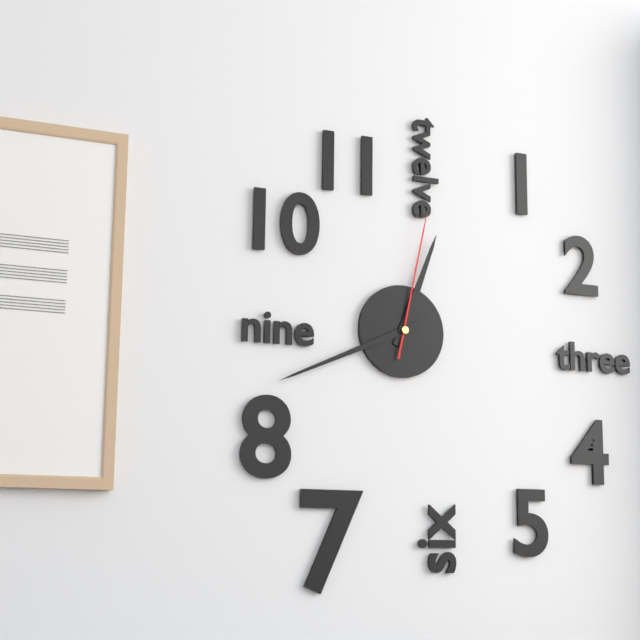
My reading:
**12:41:02**
